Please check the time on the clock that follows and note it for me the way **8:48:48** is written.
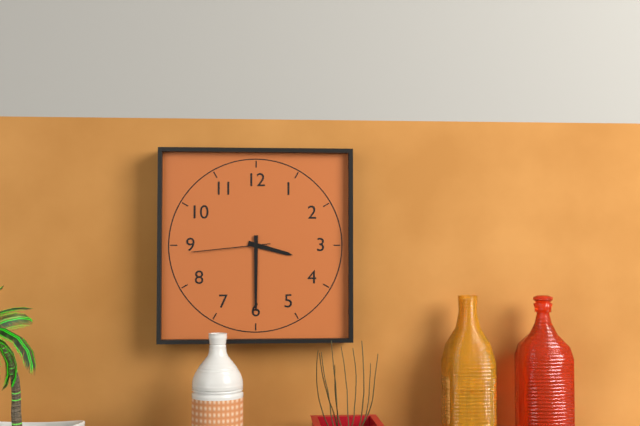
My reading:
**3:30:44**
